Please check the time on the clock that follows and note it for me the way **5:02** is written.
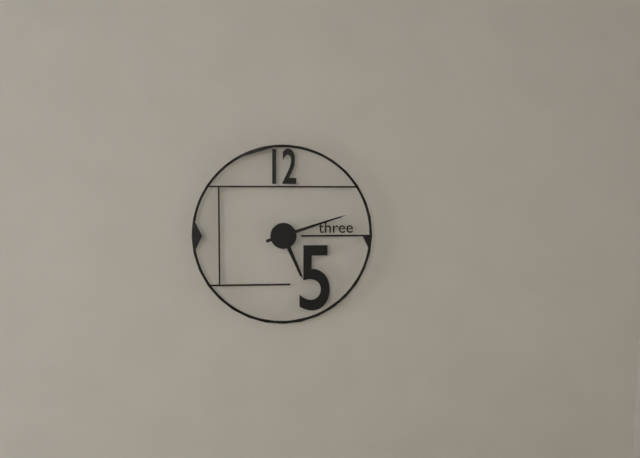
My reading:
**5:12**
